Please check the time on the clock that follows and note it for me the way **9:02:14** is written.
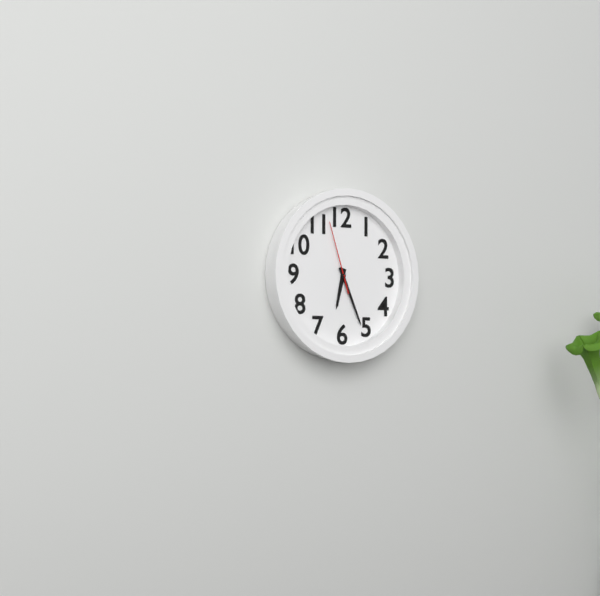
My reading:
**6:26:57**
